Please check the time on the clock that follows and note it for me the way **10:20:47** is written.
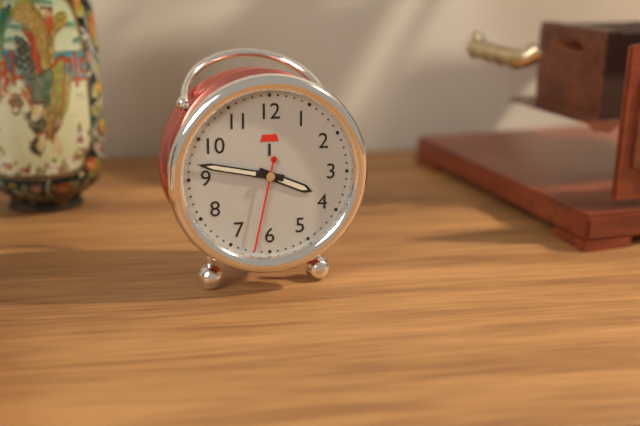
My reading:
**3:47:32**
